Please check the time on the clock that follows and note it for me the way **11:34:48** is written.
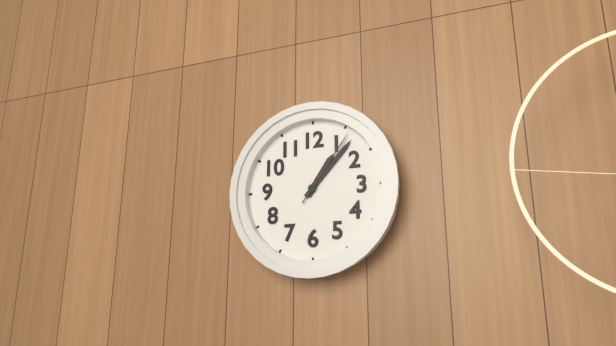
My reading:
**1:07:06**
